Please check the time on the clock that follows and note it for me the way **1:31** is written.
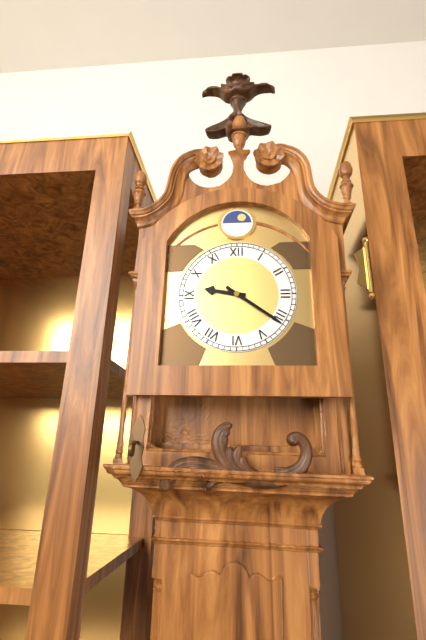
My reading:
**9:21**
